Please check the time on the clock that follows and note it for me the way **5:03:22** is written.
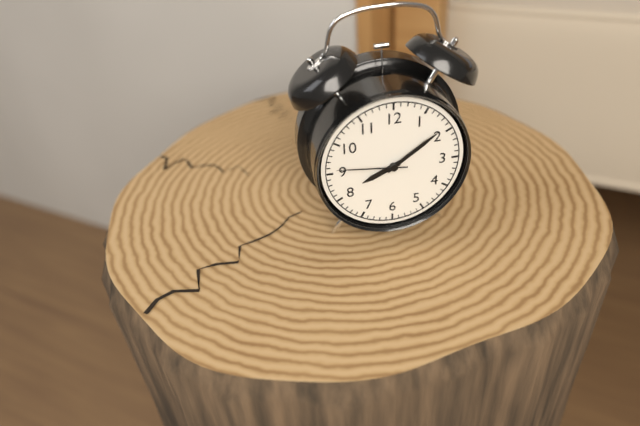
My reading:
**8:09:46**
